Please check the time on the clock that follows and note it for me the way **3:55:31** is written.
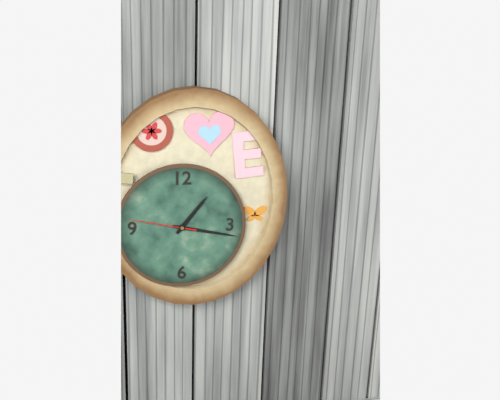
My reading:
**1:17:47**
